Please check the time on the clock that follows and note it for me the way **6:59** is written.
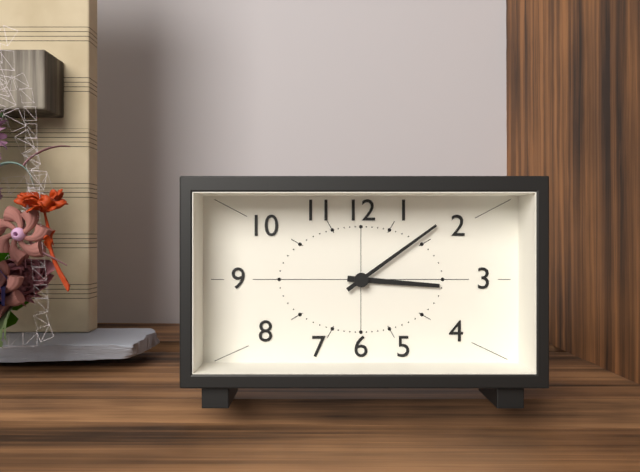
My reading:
**3:09**
